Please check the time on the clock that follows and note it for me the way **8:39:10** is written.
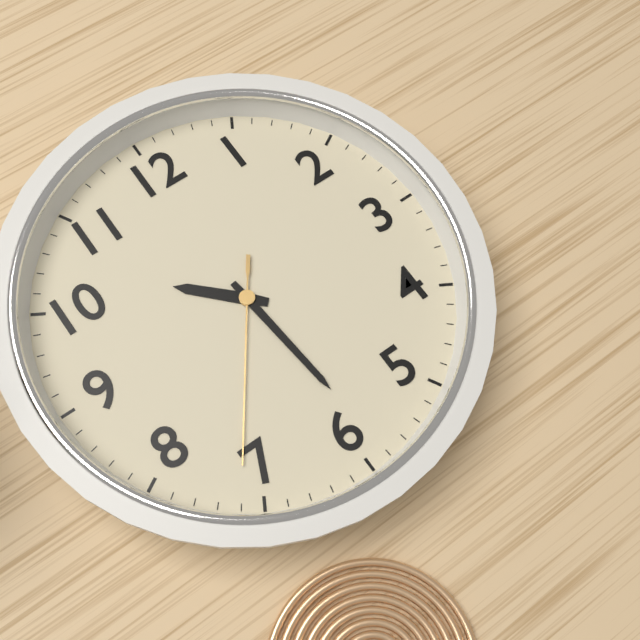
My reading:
**10:29:36**
